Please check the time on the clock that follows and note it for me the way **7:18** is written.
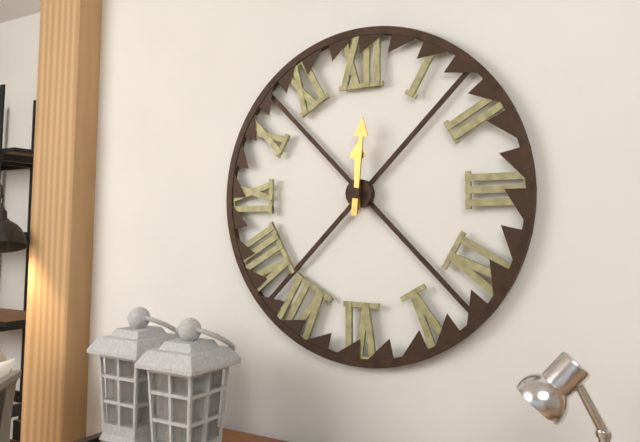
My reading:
**12:01**
